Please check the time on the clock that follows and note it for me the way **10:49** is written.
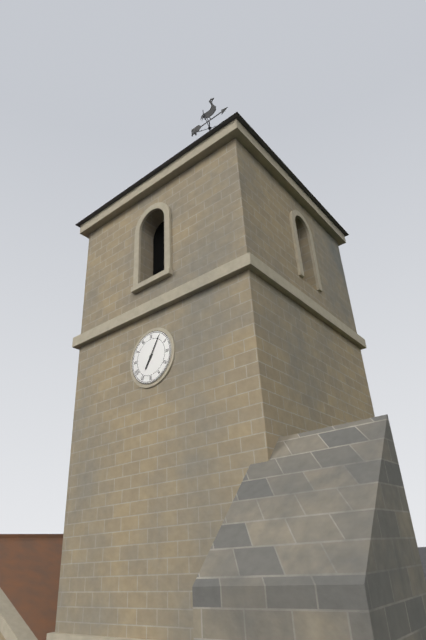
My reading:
**7:05**
